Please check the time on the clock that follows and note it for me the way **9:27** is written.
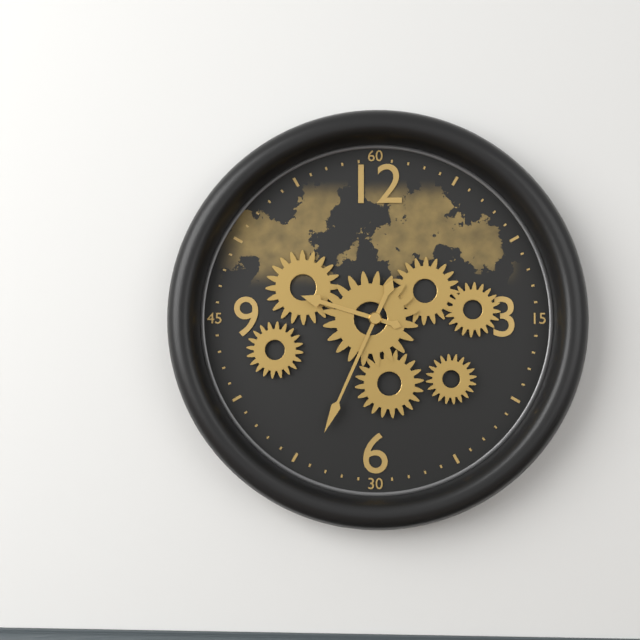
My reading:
**9:34**
